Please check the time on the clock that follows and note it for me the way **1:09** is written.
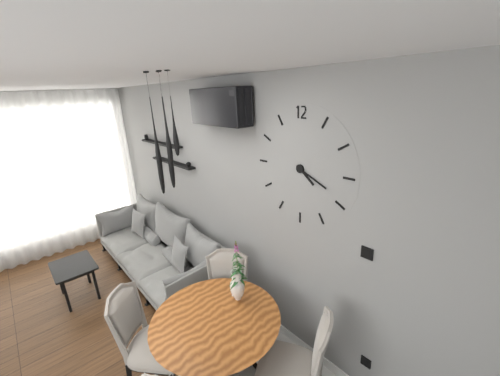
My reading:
**4:19**
